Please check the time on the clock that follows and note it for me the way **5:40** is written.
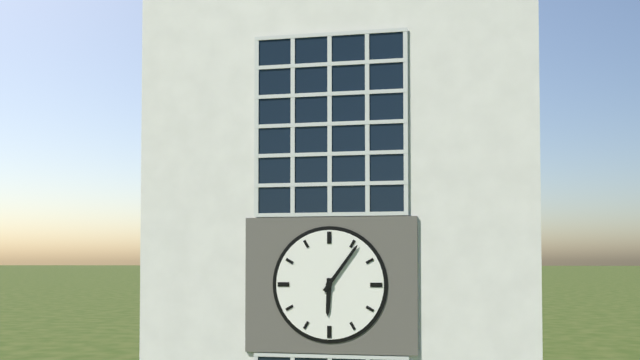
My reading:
**6:06**
